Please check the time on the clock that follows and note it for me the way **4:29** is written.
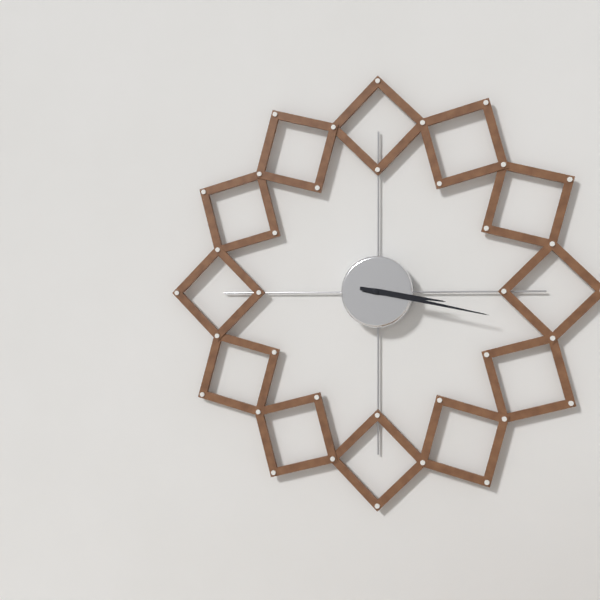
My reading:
**3:17**
